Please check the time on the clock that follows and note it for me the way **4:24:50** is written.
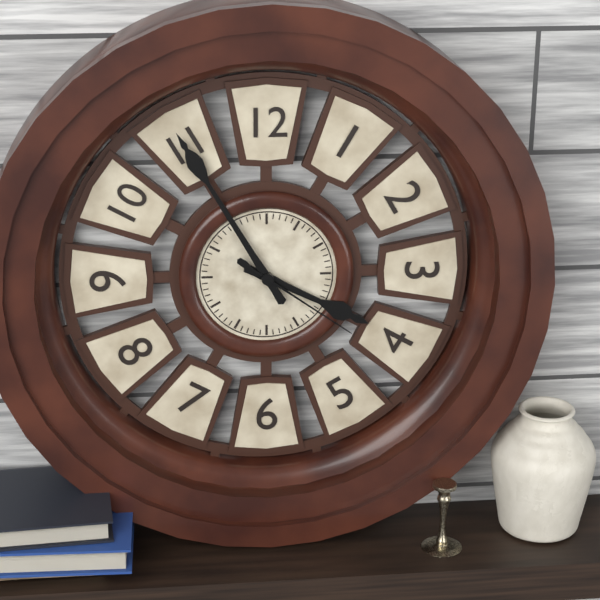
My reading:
**3:55:21**
